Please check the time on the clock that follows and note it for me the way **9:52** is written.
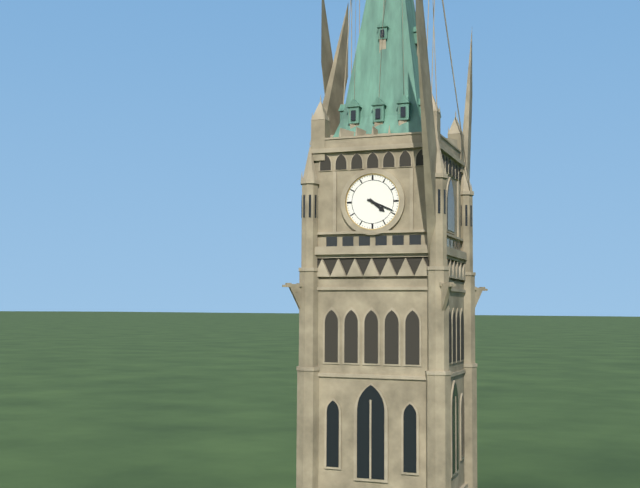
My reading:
**4:19**
